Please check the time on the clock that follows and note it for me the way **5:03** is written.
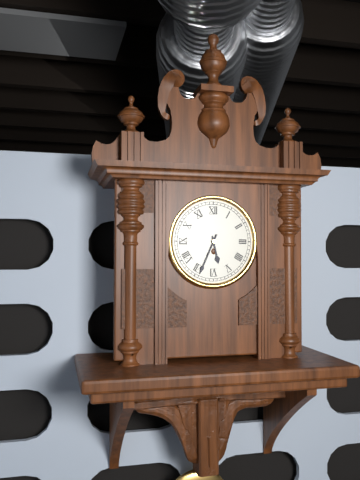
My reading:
**5:34**
